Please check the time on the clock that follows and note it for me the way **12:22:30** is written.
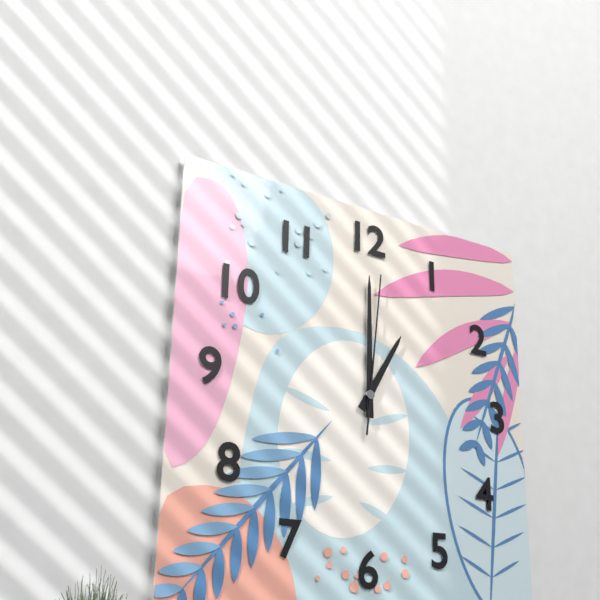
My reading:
**1:00:01**
